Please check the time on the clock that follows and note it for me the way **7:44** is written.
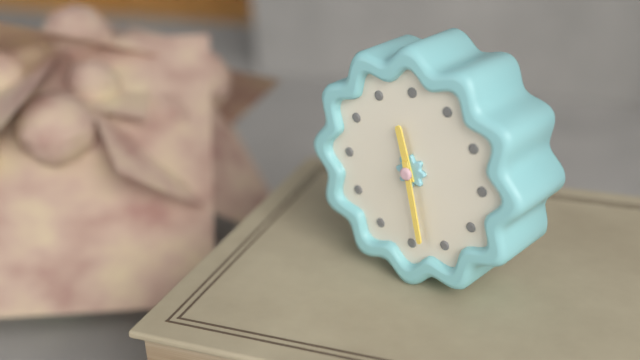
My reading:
**11:28**
